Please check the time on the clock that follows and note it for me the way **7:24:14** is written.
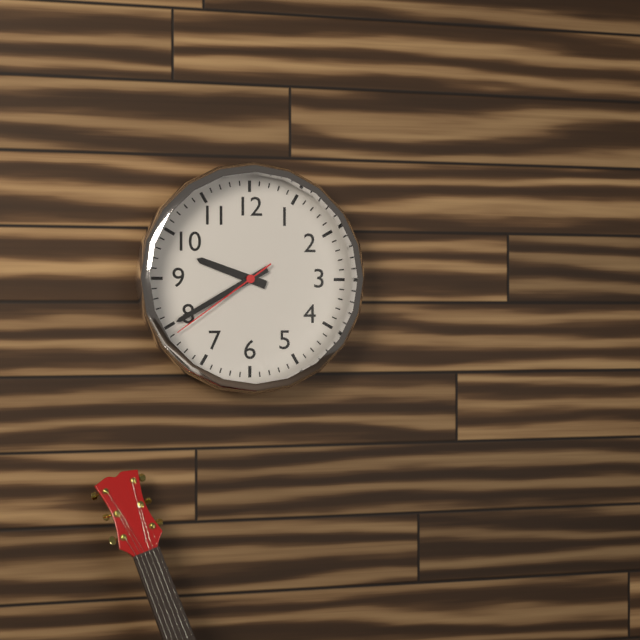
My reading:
**9:40:39**
